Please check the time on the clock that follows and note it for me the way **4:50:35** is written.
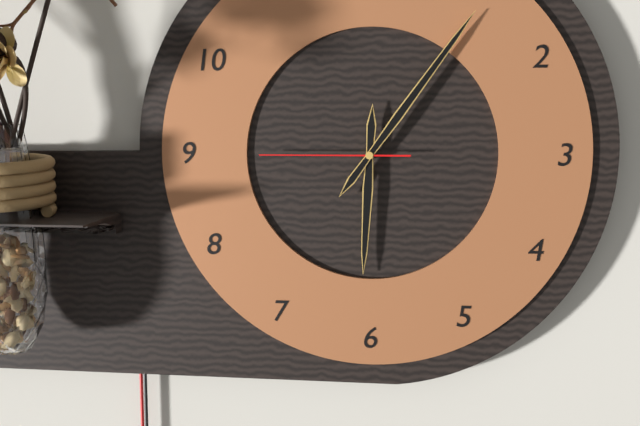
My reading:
**6:06:45**
